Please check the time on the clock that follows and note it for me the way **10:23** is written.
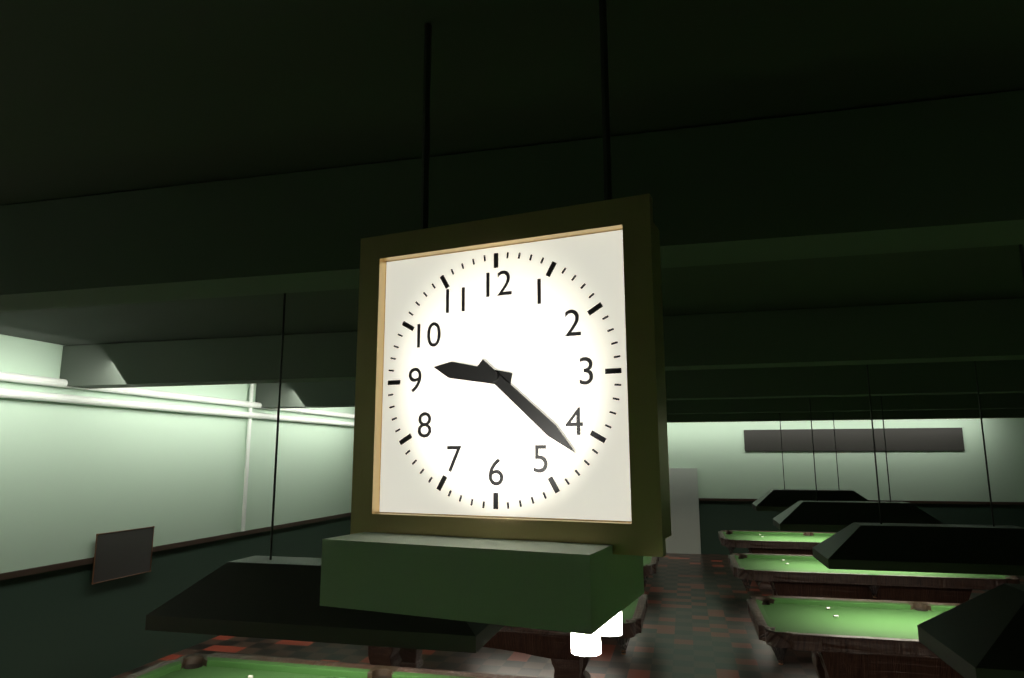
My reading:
**9:22**
